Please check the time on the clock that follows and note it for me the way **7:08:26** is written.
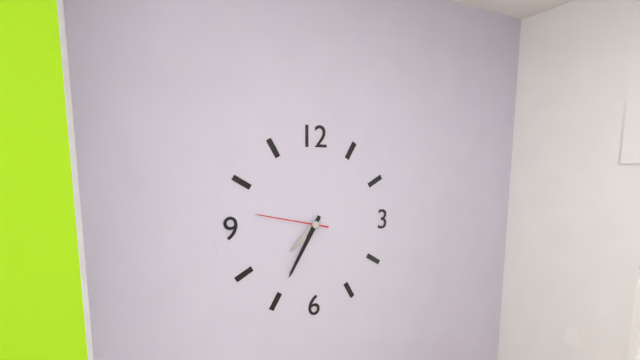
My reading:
**7:35:47**
